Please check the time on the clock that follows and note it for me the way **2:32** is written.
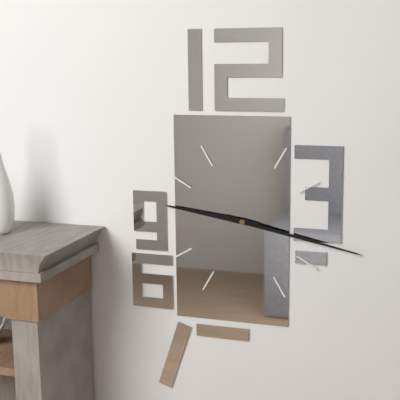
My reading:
**9:17**
